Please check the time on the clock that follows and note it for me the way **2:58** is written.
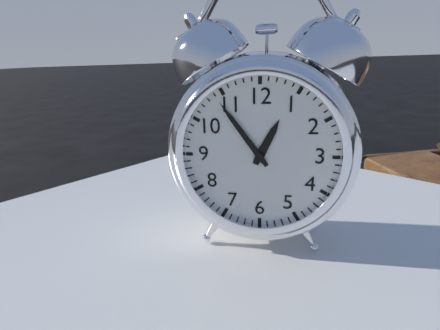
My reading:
**12:54**
